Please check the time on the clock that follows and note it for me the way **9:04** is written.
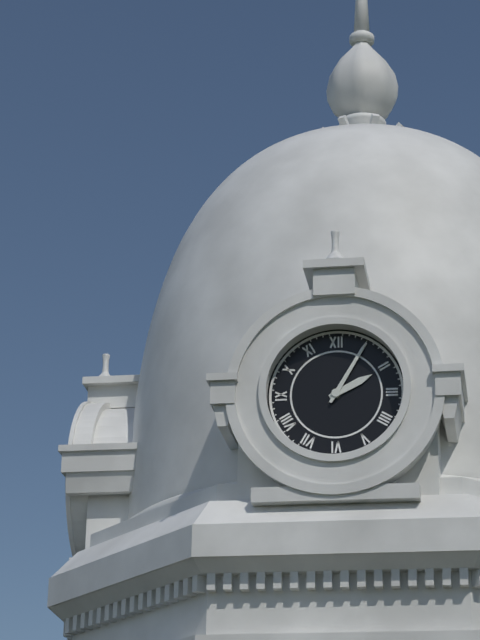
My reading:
**2:05**
